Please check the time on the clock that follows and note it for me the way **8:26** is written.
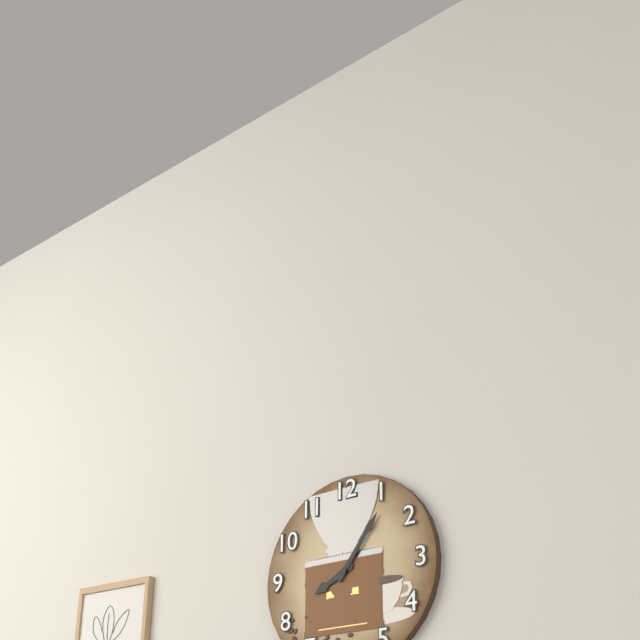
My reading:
**8:06**
